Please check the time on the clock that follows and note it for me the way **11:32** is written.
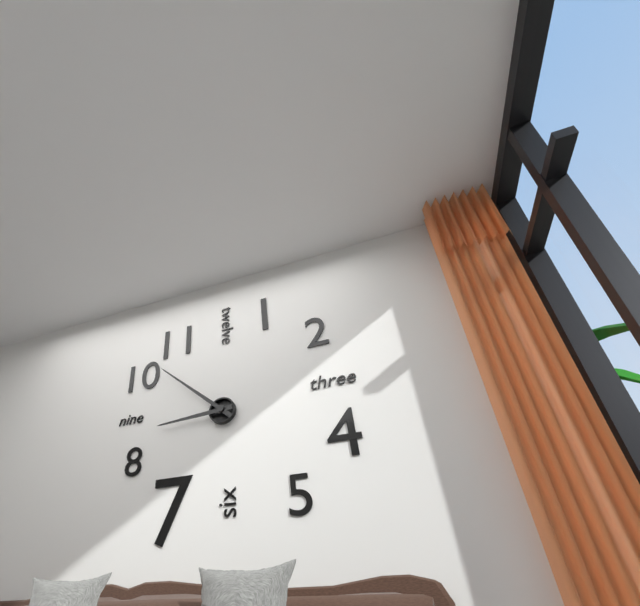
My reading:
**8:52**
